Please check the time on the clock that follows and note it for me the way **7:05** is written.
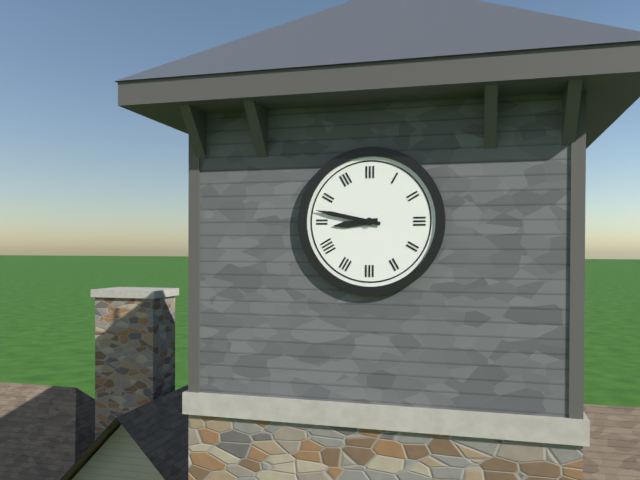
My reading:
**8:47**
